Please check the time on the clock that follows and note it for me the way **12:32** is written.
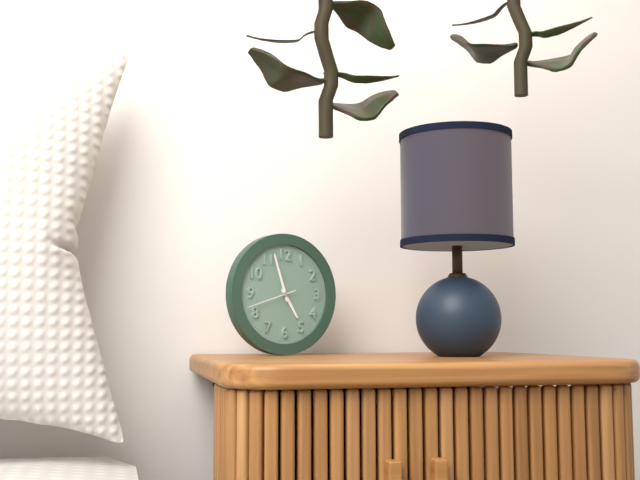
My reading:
**4:57**
